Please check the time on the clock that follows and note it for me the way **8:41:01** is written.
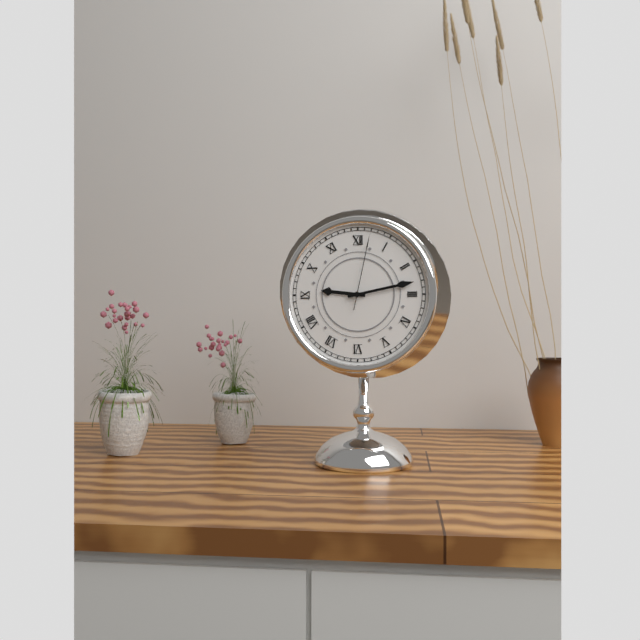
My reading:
**9:13:02**
